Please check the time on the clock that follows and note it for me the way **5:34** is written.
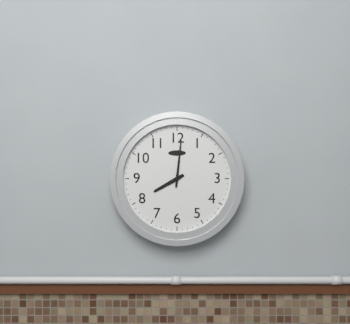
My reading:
**8:01**
